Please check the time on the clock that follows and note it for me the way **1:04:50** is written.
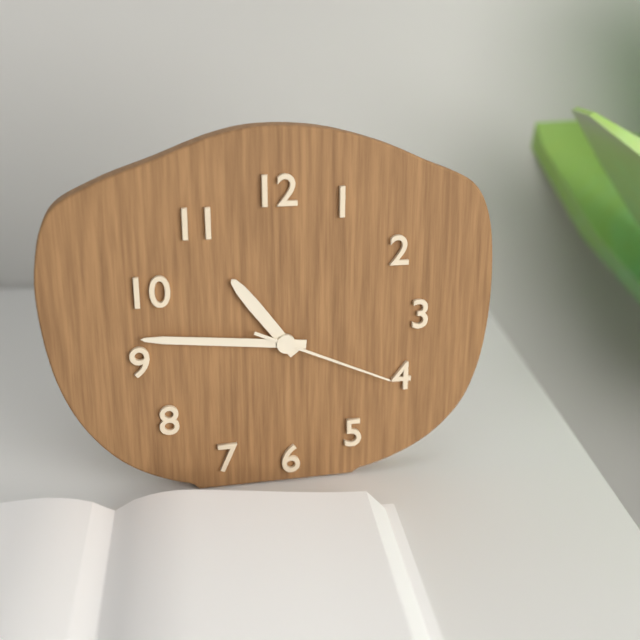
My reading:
**10:46:19**
